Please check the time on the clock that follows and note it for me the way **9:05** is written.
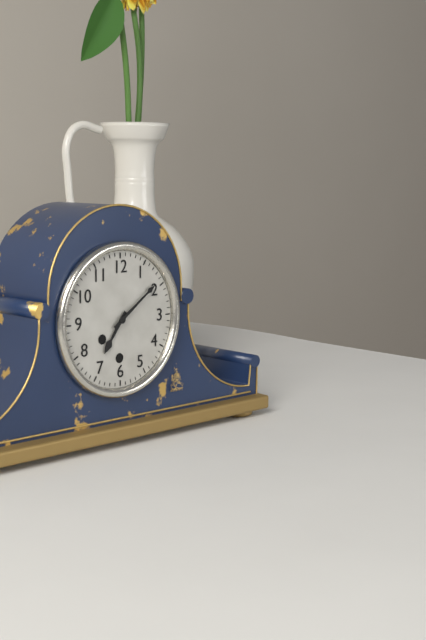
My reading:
**7:09**
